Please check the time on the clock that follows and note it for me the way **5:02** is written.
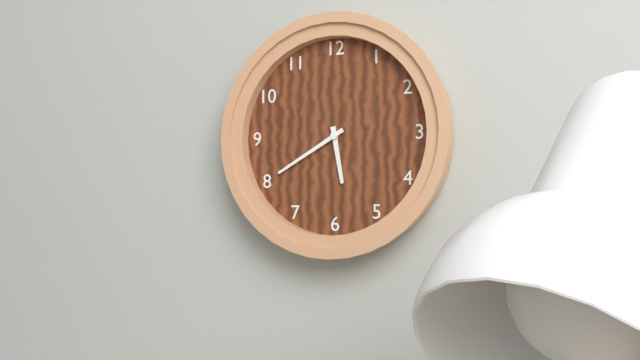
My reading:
**5:40**
